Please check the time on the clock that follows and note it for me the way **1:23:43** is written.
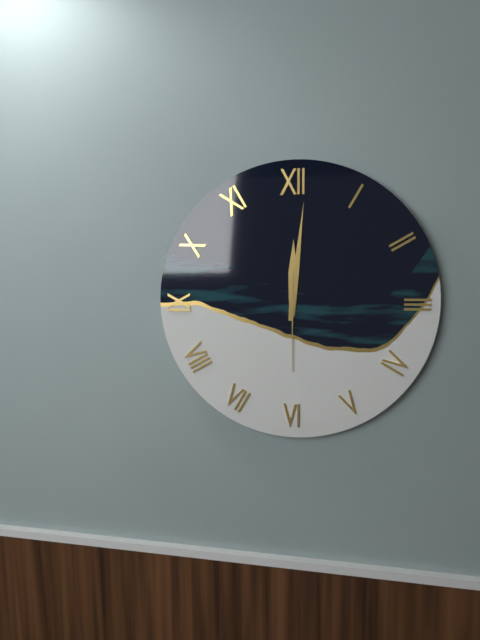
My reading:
**12:01:30**
